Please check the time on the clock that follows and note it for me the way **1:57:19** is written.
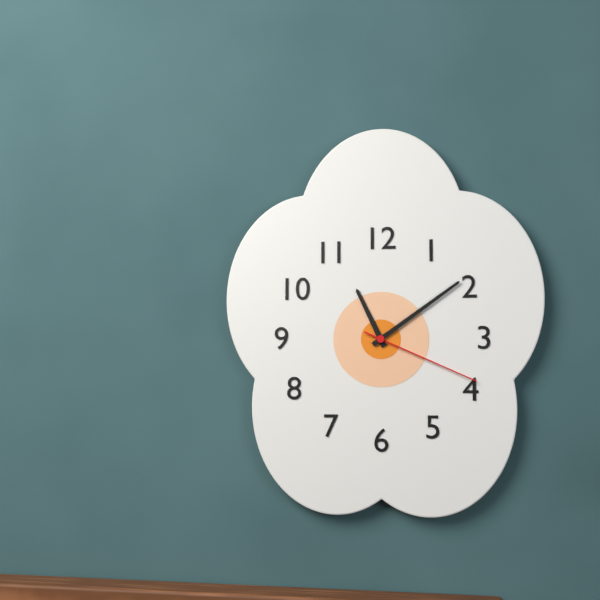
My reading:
**11:09:19**
